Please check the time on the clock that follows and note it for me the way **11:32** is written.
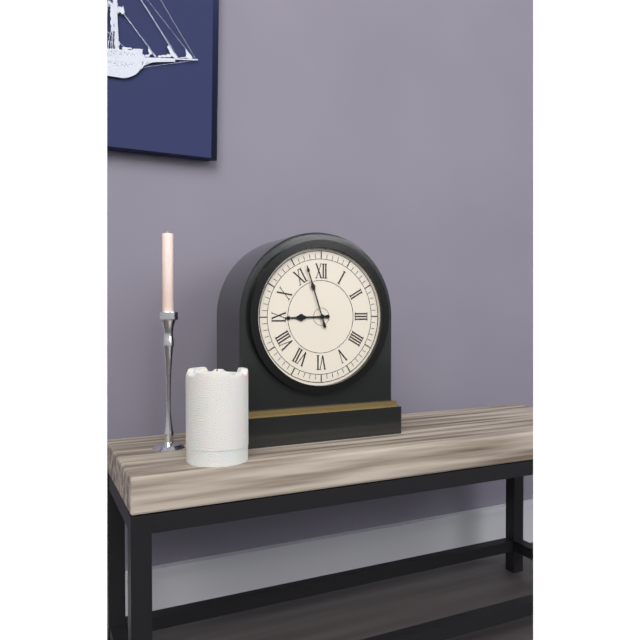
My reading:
**8:57**
